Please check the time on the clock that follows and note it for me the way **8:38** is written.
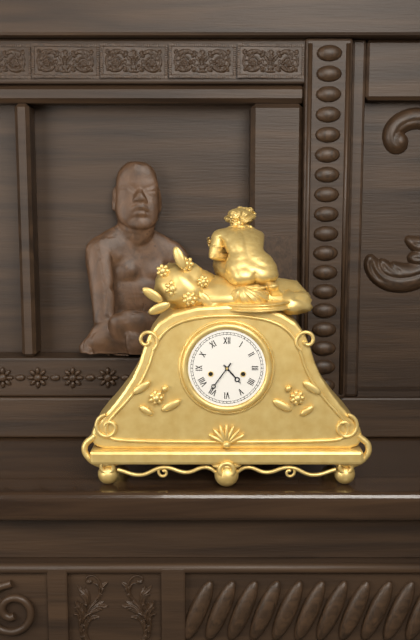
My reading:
**4:36**
